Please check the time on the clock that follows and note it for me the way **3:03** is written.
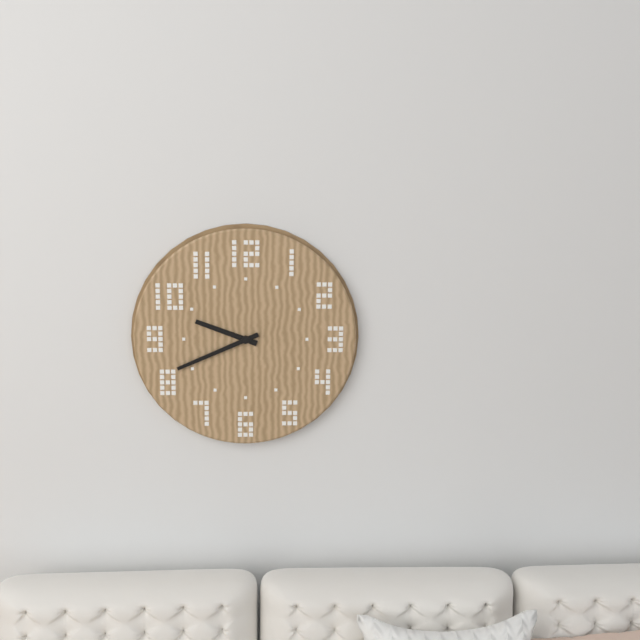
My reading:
**9:41**
